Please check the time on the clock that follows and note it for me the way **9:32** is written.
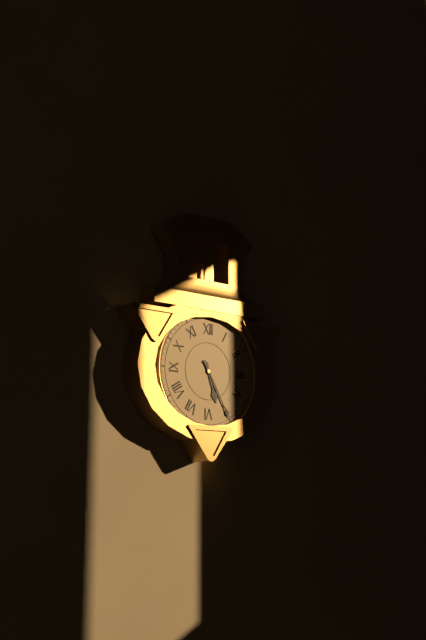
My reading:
**5:25**
